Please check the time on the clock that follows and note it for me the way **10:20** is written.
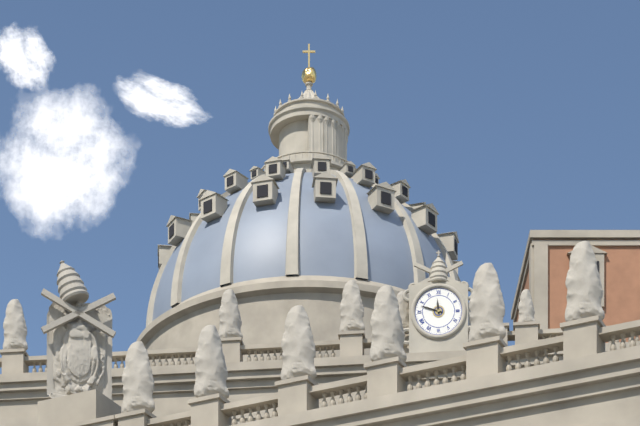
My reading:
**11:48**
